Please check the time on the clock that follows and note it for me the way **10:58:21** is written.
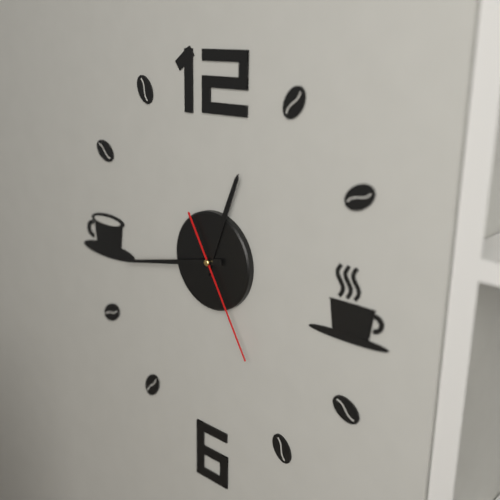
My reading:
**12:43:25**
